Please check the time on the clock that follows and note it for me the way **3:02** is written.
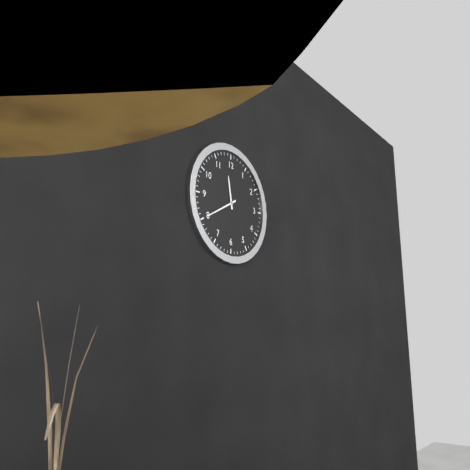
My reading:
**11:40**
